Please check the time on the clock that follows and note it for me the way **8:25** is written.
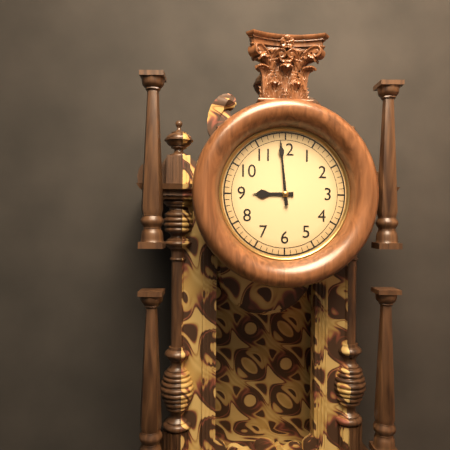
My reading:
**8:59**
